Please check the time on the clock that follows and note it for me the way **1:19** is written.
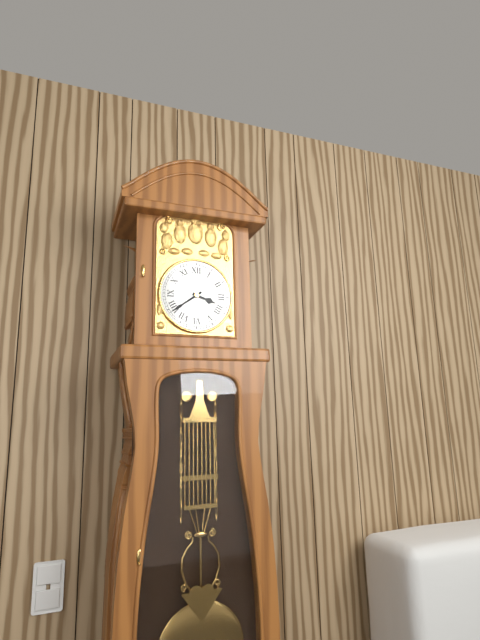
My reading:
**3:39**
